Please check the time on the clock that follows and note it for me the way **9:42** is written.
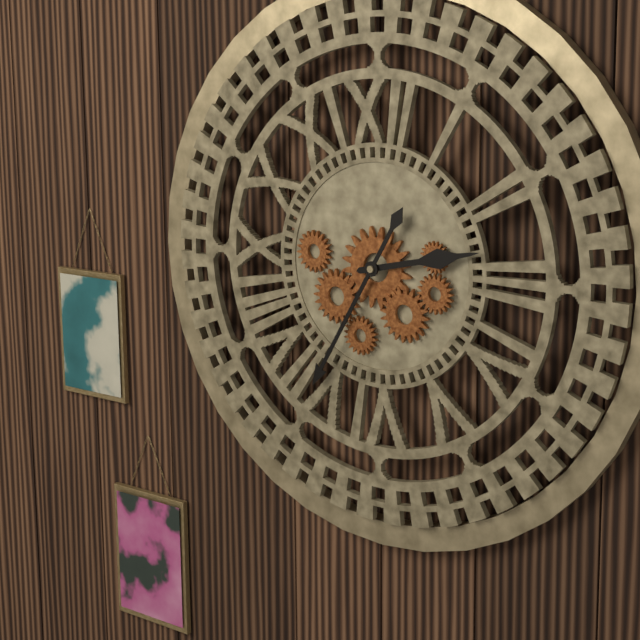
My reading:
**2:35**
